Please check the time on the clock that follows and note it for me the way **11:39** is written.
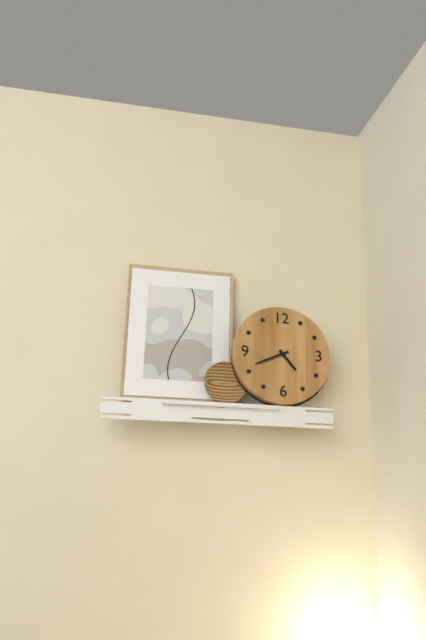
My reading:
**4:41**
